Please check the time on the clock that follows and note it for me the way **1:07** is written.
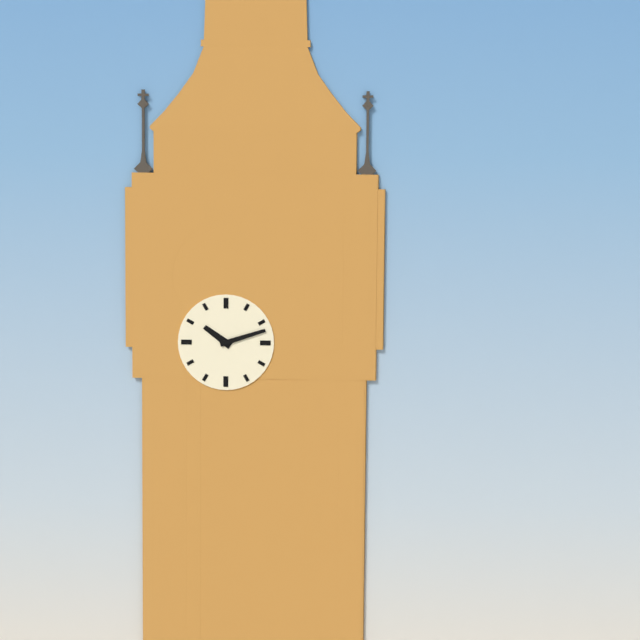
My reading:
**10:12**
